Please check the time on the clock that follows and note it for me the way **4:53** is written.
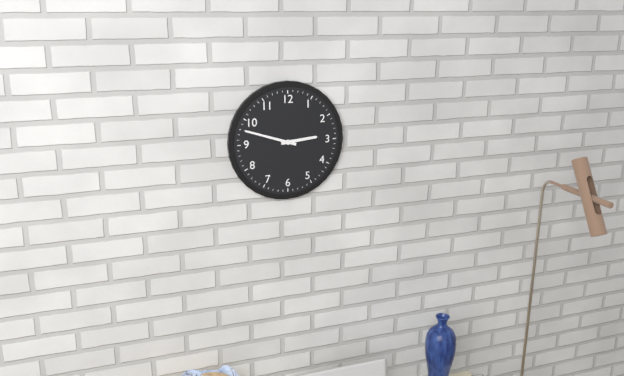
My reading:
**2:48**
